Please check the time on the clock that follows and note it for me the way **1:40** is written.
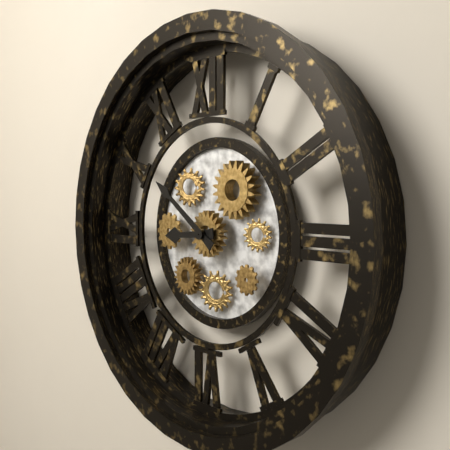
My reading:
**8:51**
